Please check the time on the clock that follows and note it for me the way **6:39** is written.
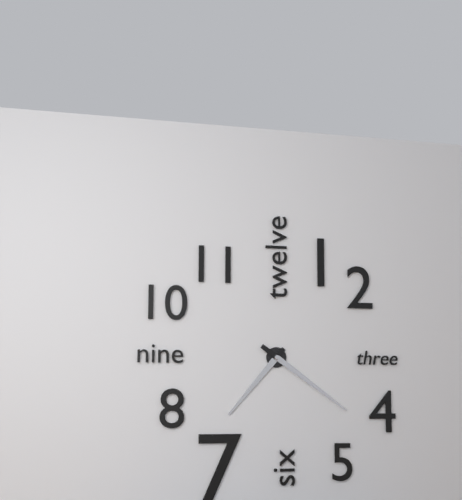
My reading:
**7:21**
